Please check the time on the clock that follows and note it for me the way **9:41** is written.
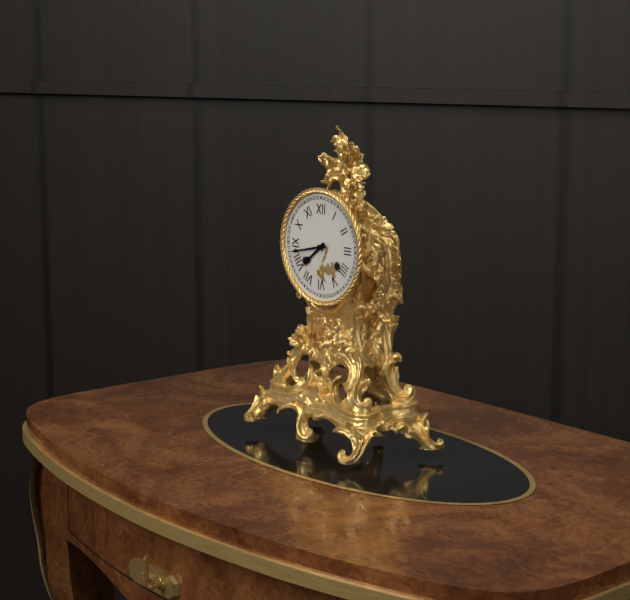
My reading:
**7:43**
